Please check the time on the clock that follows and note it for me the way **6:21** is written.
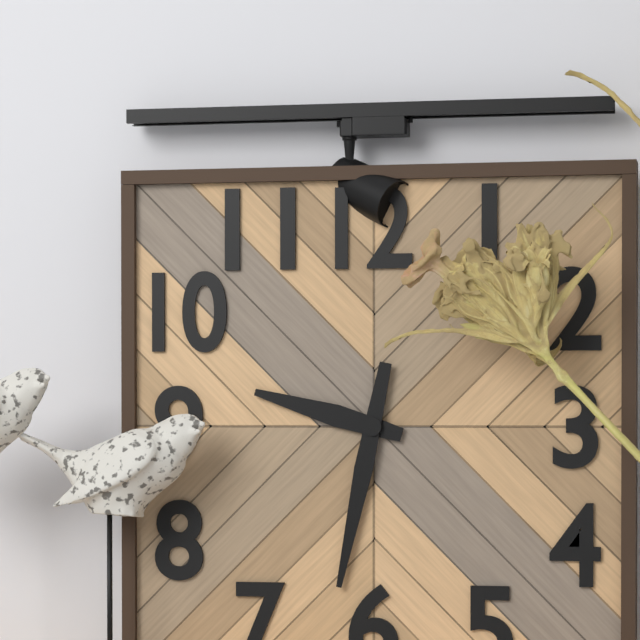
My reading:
**9:32**
